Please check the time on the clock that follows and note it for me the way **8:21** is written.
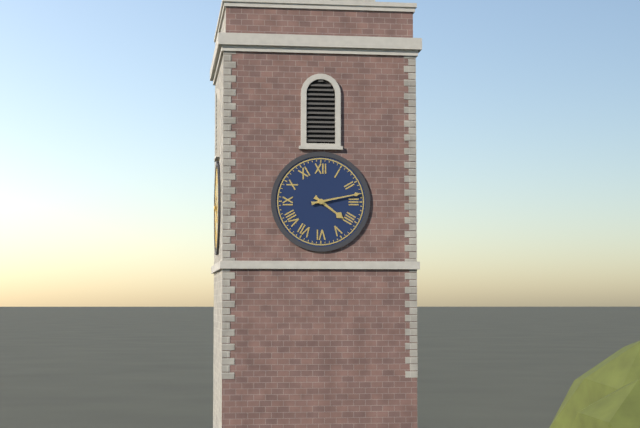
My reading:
**4:13**
